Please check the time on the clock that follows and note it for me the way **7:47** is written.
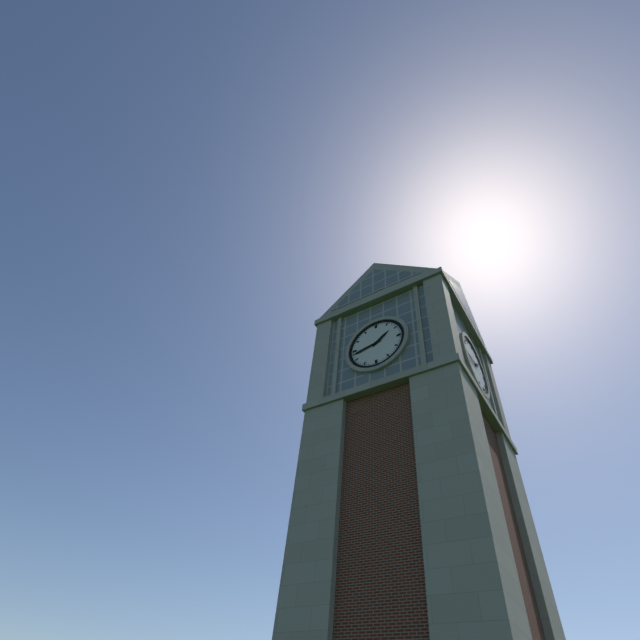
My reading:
**1:43**
